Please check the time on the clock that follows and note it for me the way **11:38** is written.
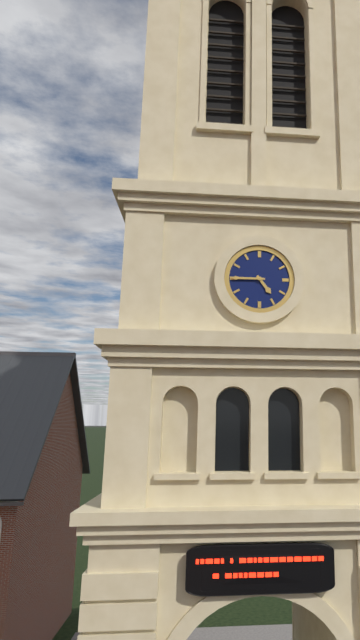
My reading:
**4:45**
